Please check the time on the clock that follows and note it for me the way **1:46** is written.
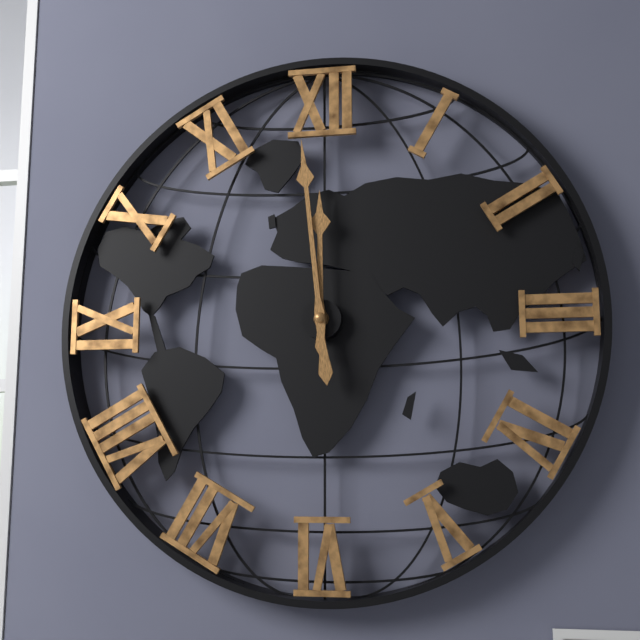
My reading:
**11:59**
